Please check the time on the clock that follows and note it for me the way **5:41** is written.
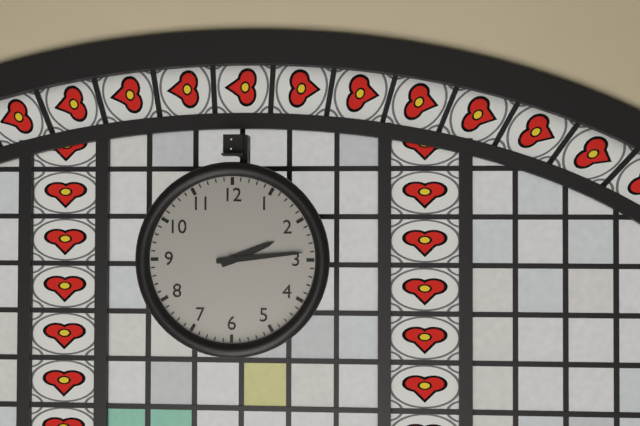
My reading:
**2:14**
